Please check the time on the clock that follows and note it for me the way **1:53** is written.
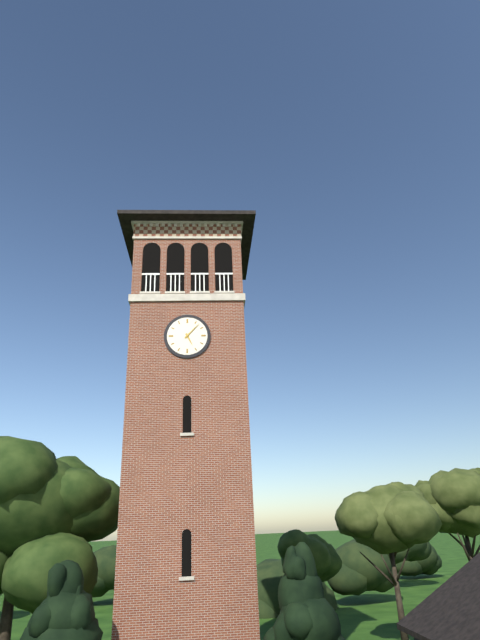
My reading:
**5:07**
